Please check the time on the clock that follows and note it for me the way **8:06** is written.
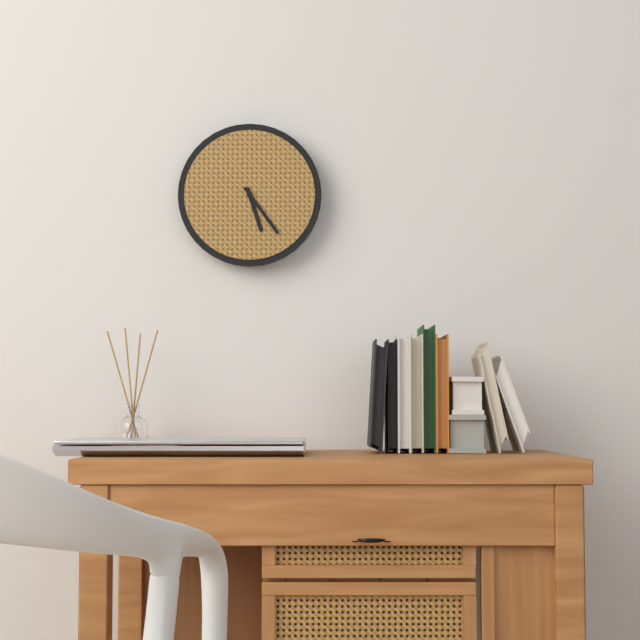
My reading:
**5:24**
